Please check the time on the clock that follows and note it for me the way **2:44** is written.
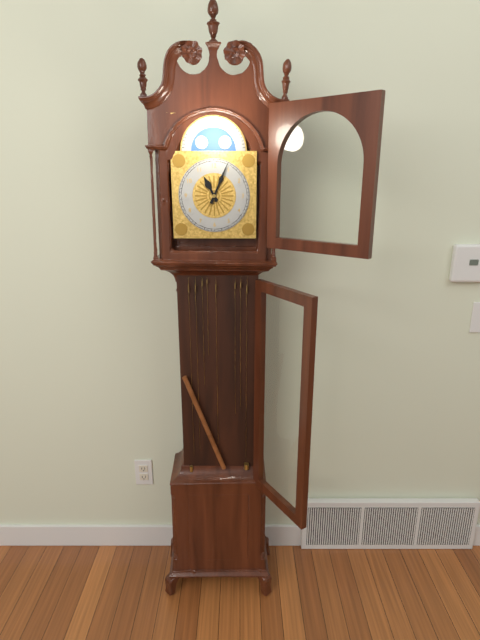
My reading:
**11:04**
